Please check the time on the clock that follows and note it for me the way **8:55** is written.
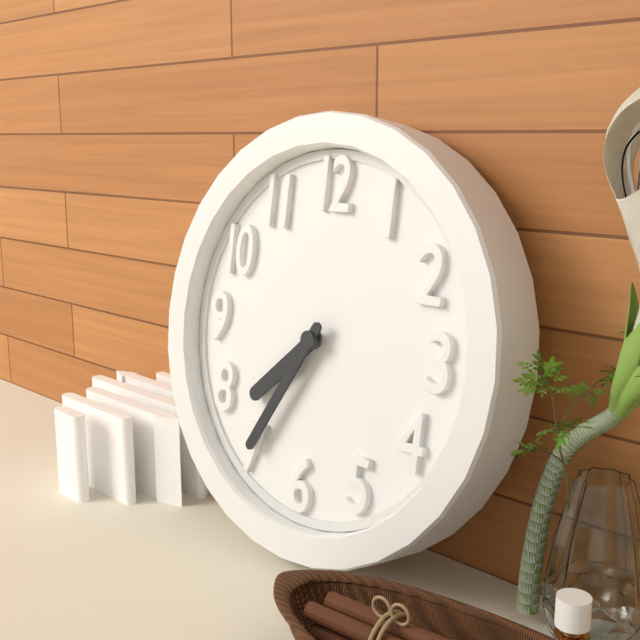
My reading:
**7:35**
